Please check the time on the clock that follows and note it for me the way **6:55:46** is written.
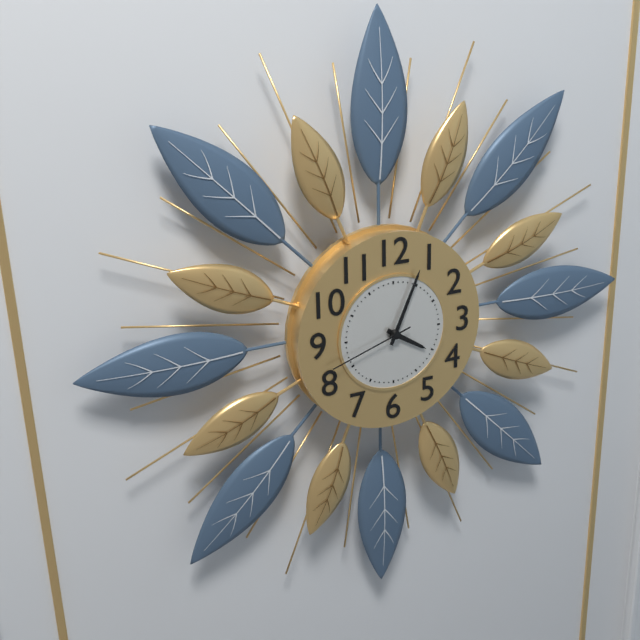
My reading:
**4:04:42**
